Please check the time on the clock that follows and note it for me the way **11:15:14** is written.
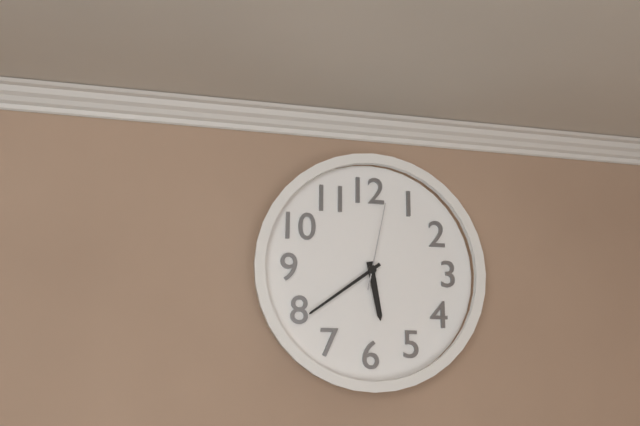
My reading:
**5:39:02**
